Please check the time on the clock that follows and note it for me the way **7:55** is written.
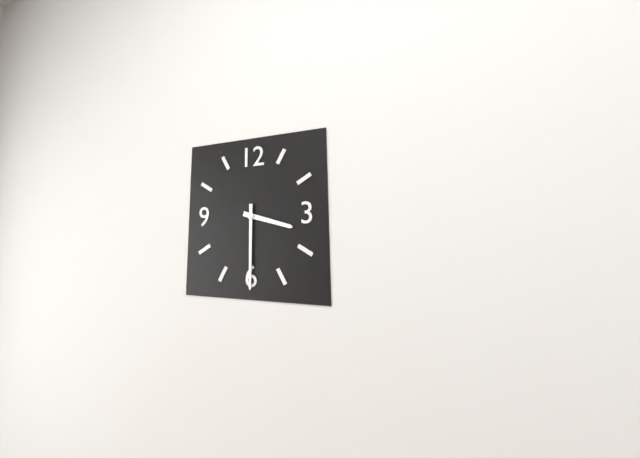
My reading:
**3:30**
